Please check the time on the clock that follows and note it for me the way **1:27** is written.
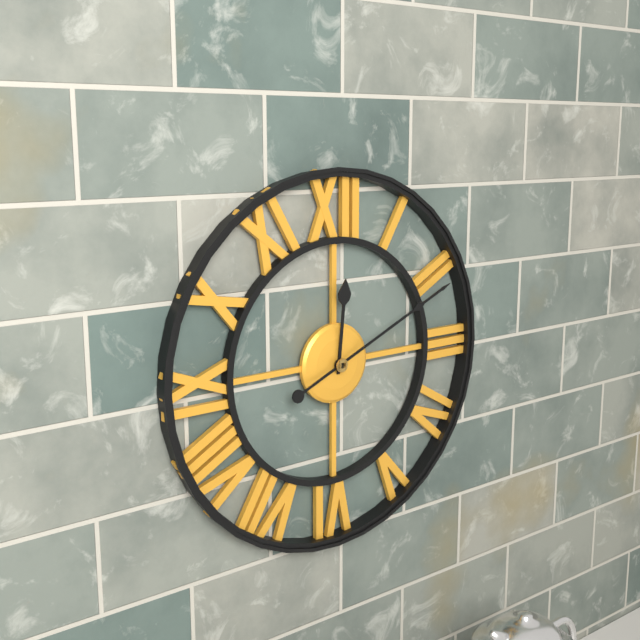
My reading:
**12:11**
